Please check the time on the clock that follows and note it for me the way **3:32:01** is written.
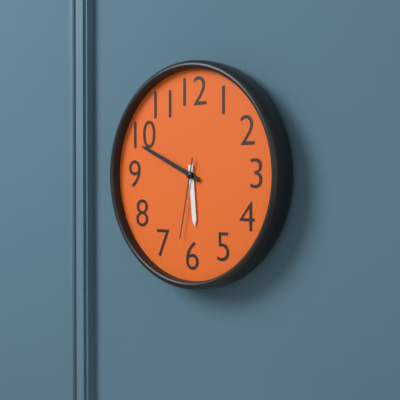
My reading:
**5:49:32**
